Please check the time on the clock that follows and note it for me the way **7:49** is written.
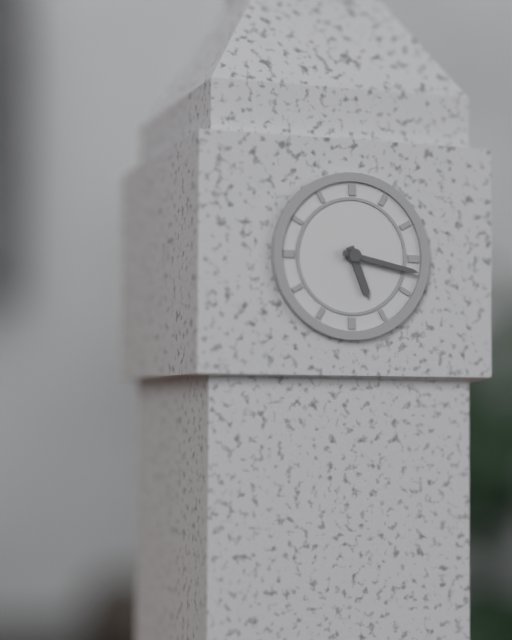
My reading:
**5:17**
